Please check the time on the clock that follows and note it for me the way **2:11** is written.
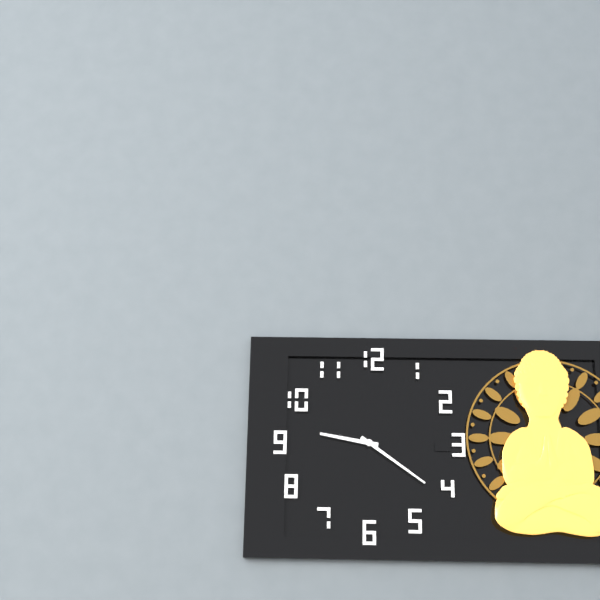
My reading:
**9:21**
